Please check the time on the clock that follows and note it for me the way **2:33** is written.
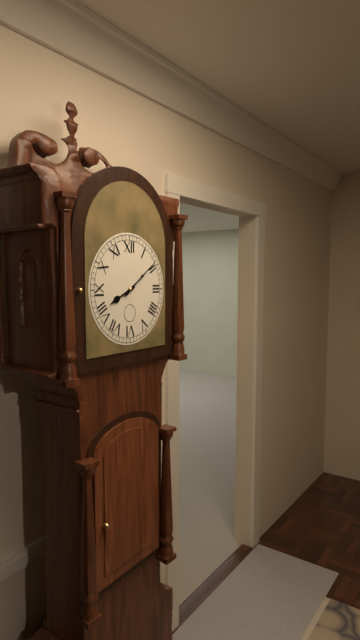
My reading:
**8:09**
